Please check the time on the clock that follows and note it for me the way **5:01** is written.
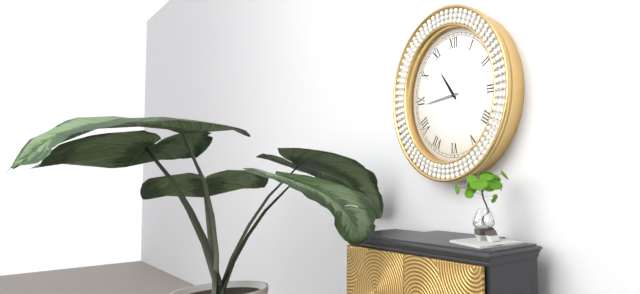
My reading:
**10:44**
